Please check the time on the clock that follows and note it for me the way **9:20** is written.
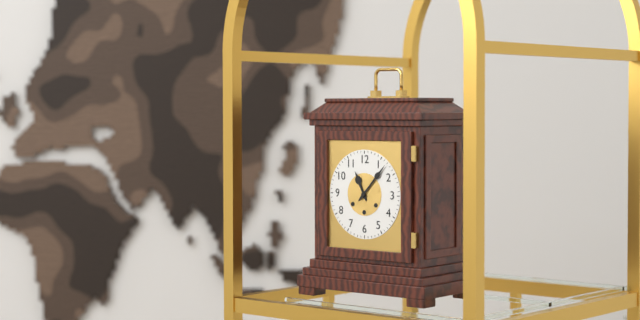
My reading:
**11:07**
